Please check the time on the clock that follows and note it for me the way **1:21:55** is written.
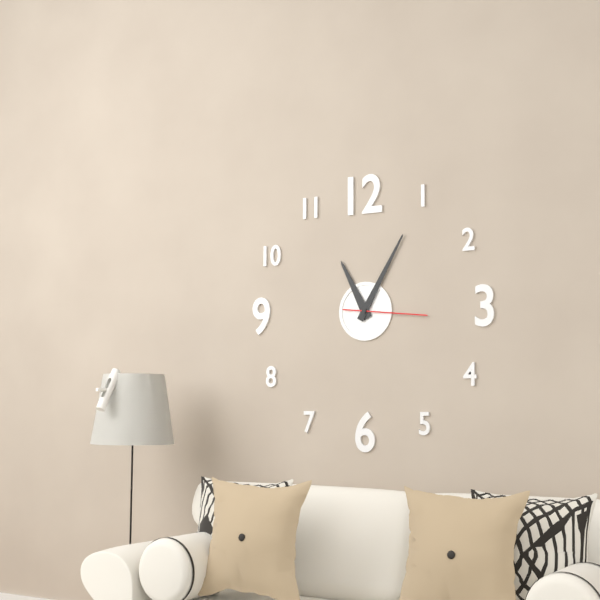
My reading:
**11:05:16**
